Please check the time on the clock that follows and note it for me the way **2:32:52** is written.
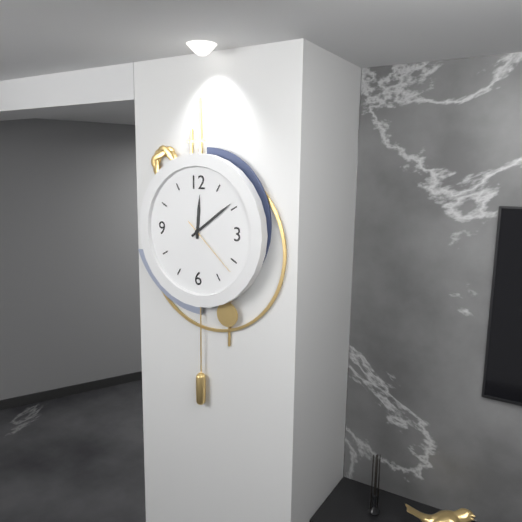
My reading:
**12:09:22**
